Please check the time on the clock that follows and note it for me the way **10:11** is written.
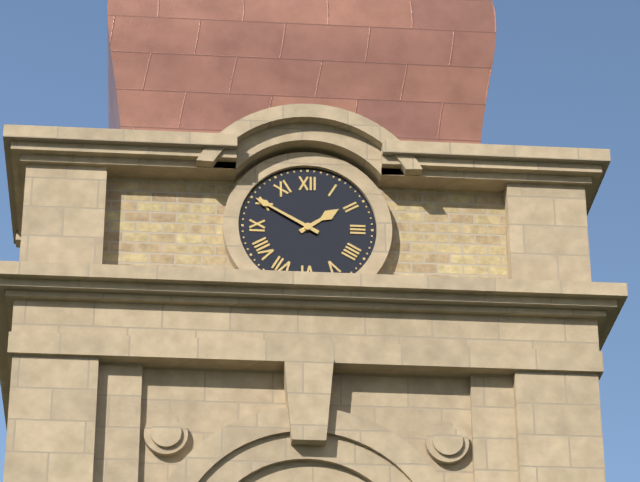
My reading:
**1:50**
